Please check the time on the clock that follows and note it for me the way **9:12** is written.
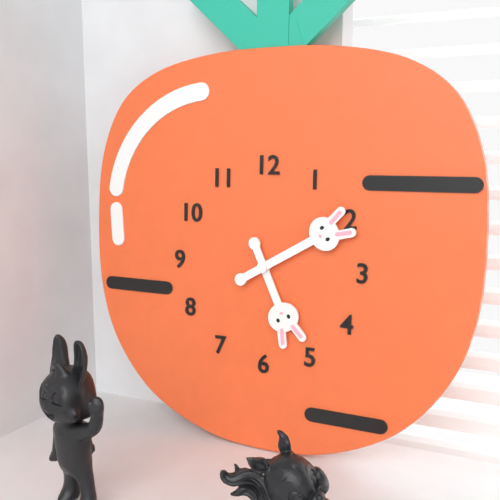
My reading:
**5:10**
